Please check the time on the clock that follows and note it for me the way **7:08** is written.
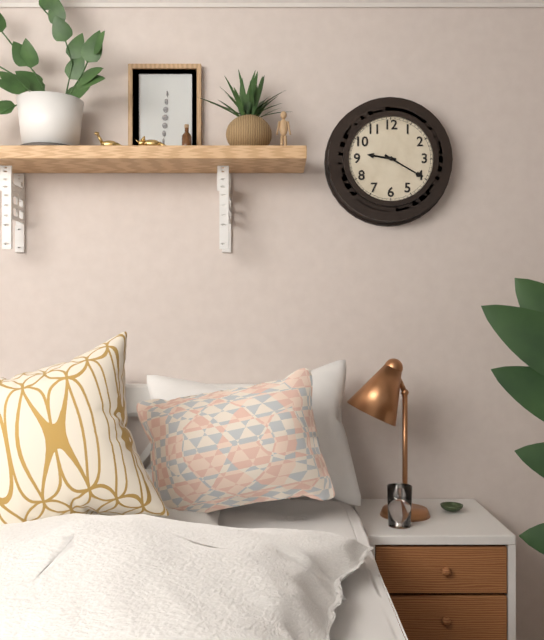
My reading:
**9:20**
